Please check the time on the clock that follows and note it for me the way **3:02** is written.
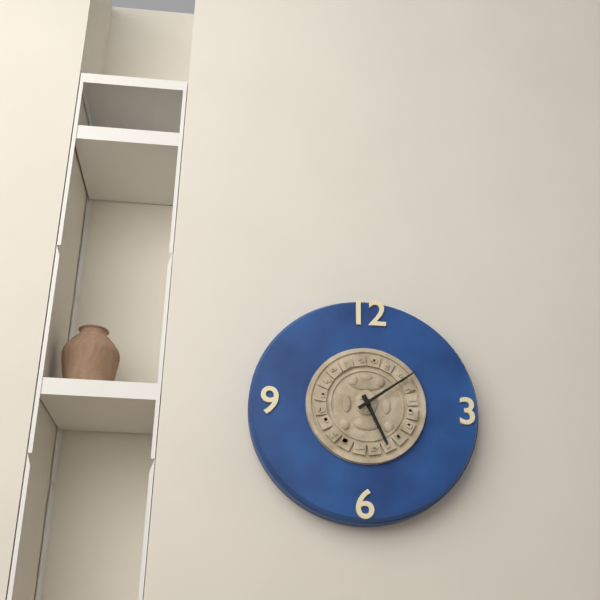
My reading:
**5:09**
